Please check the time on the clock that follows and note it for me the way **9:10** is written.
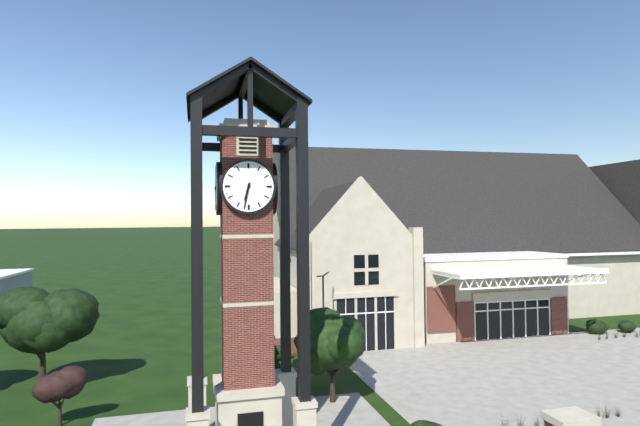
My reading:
**6:32**
